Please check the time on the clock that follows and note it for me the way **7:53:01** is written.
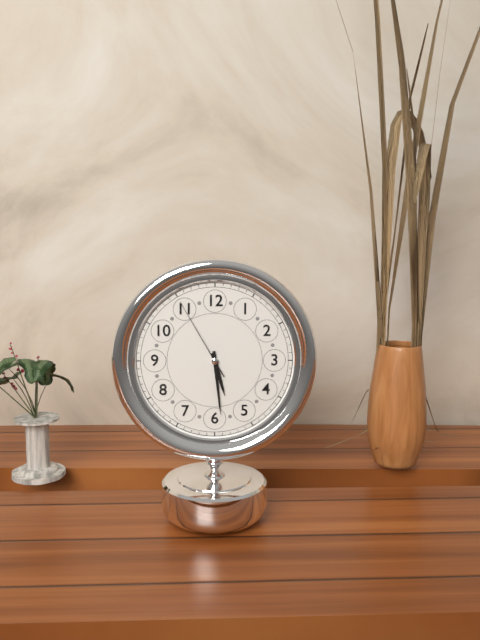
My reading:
**5:29:55**
